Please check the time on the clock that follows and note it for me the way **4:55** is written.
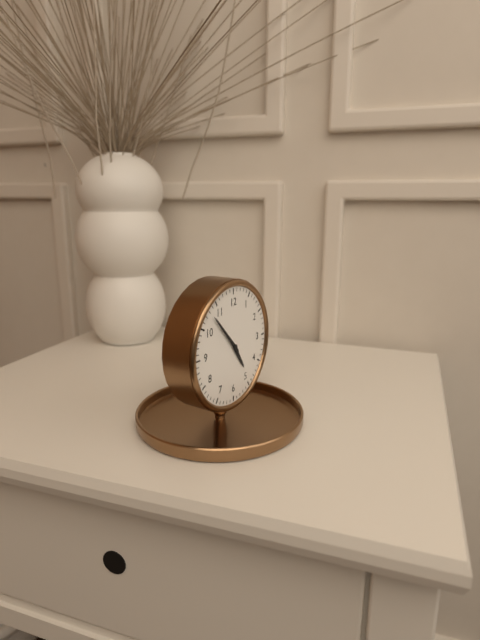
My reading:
**4:53**
